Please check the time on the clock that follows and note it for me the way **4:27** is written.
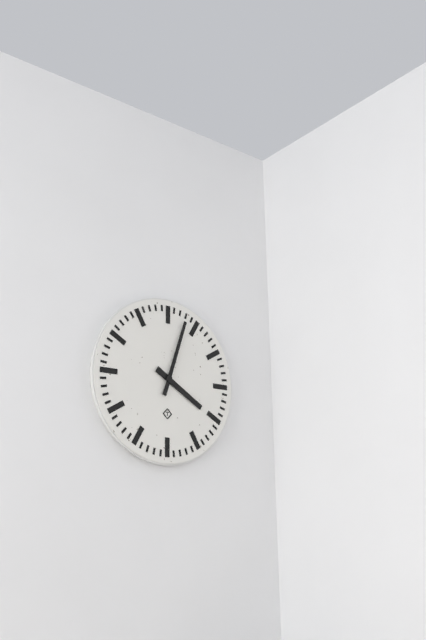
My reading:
**4:03**
